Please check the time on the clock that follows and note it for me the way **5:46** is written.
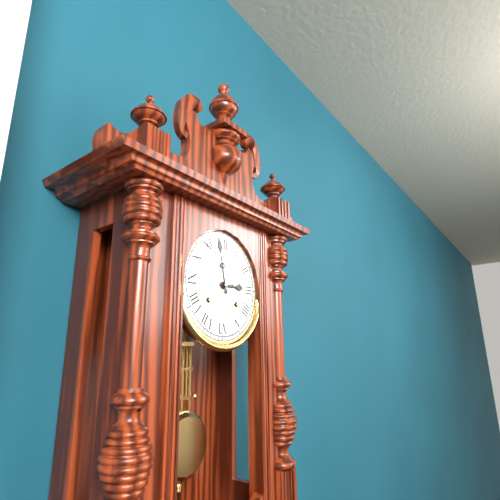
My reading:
**2:58**
